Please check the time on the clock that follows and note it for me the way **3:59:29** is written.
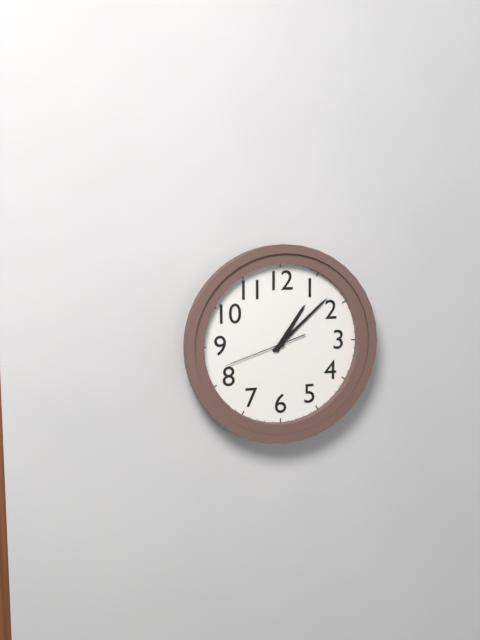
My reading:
**1:08:42**
